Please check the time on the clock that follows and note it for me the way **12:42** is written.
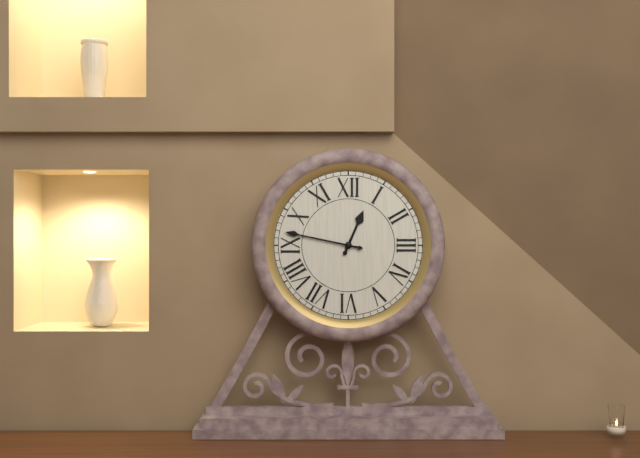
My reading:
**12:47**
